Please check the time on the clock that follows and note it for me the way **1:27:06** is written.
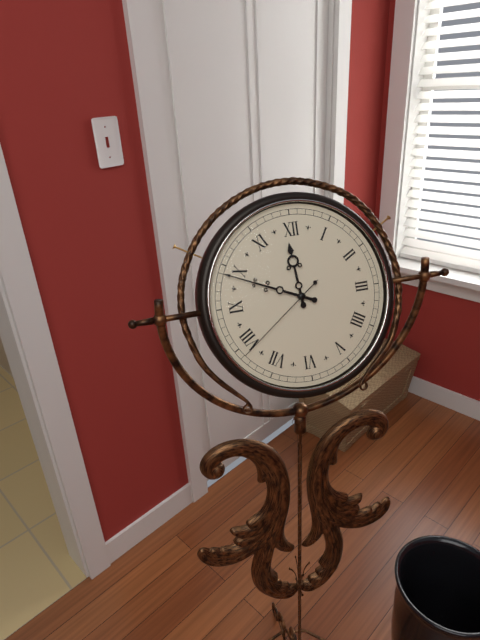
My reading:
**11:49:39**
